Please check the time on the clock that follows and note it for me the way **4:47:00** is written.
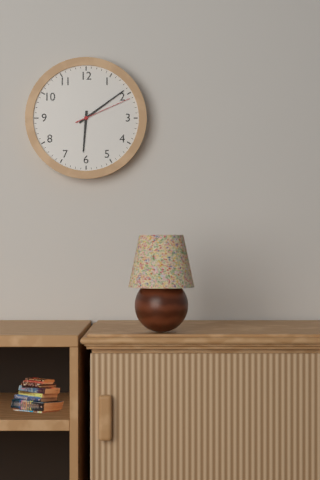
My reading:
**6:09:11**
